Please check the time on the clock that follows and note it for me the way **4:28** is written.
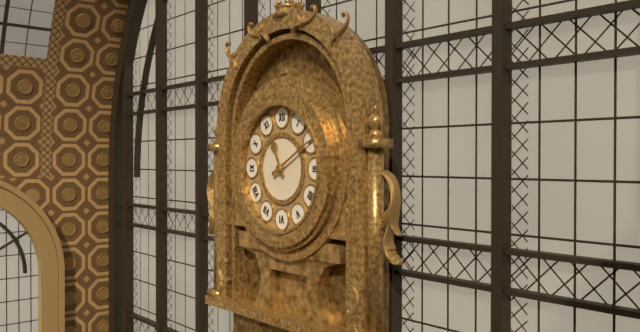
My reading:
**11:10**
